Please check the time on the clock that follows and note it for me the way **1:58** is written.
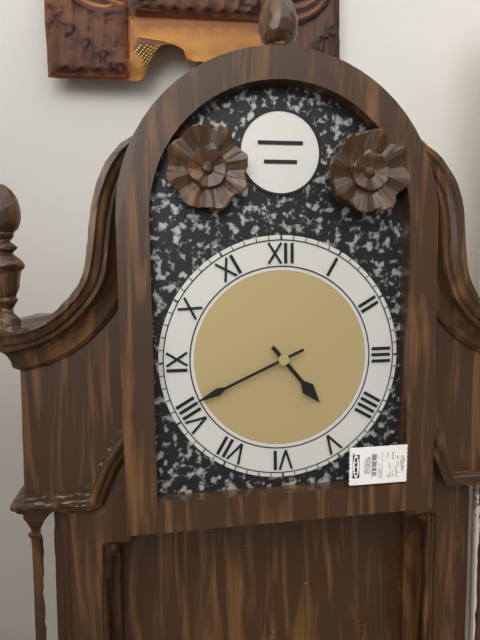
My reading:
**4:41**
